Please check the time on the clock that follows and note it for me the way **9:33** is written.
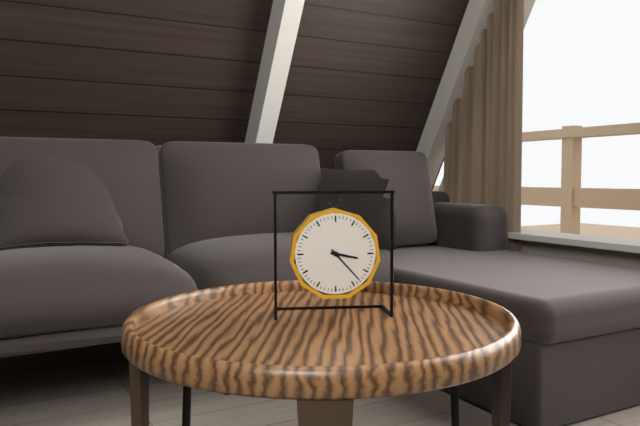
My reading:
**3:23**
